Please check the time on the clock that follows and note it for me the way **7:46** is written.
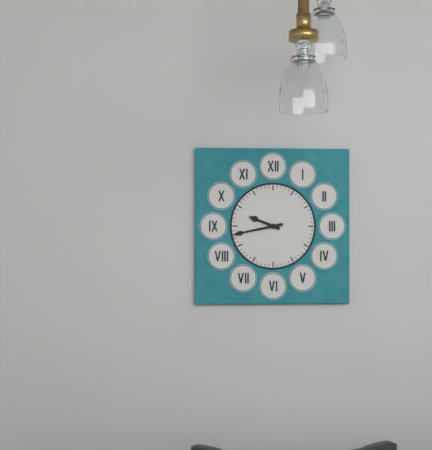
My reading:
**9:43**
